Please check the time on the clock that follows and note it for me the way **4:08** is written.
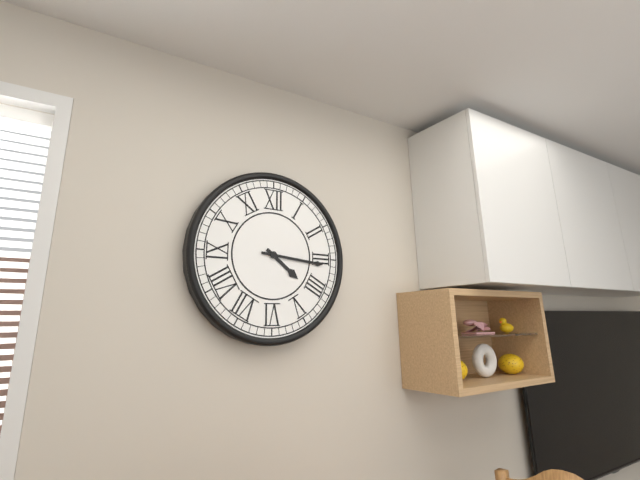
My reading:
**4:16**
